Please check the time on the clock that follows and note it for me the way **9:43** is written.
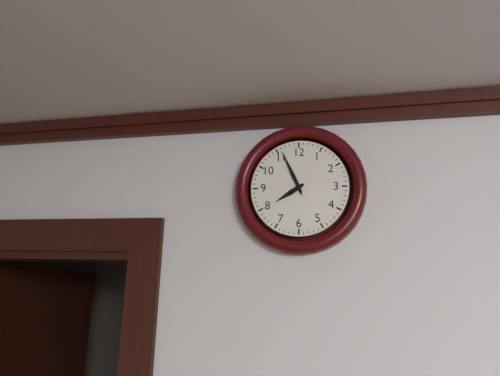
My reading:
**7:56**
